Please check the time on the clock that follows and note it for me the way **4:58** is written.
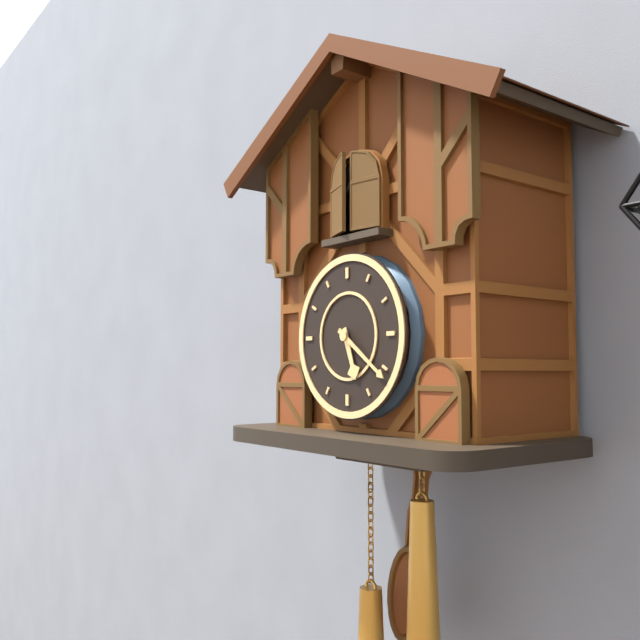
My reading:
**5:21**
